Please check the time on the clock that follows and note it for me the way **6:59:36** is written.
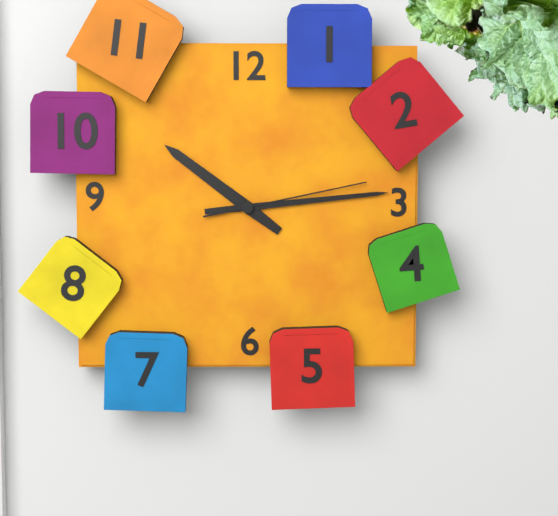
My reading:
**10:14:13**
